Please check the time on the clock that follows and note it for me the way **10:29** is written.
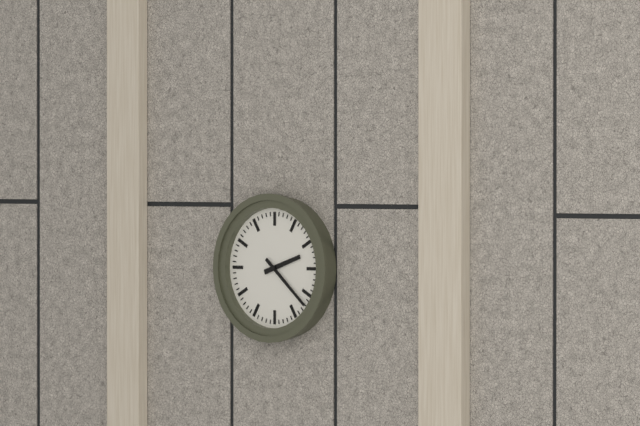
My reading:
**2:22**
